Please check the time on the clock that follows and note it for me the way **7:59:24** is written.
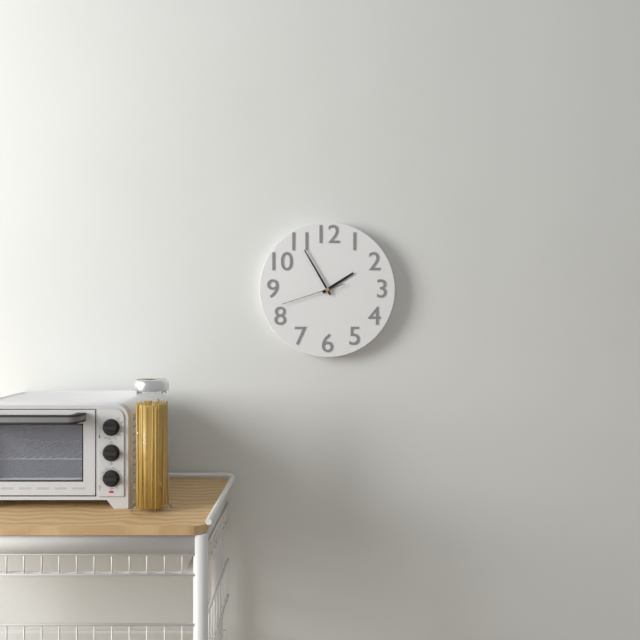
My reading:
**1:55:42**
